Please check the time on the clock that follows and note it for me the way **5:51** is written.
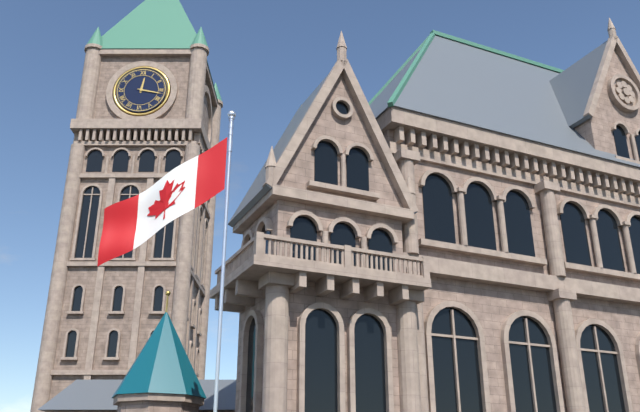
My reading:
**12:17**
